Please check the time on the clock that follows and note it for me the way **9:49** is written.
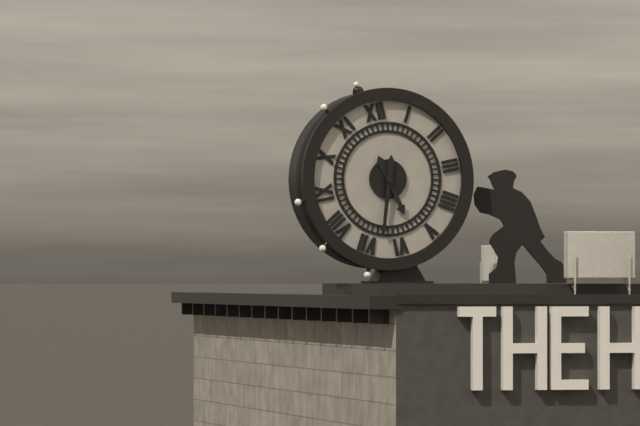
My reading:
**5:33**
